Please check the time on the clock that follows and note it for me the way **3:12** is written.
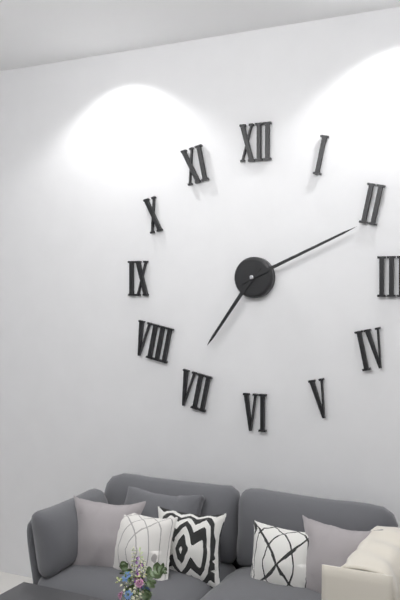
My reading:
**7:11**
